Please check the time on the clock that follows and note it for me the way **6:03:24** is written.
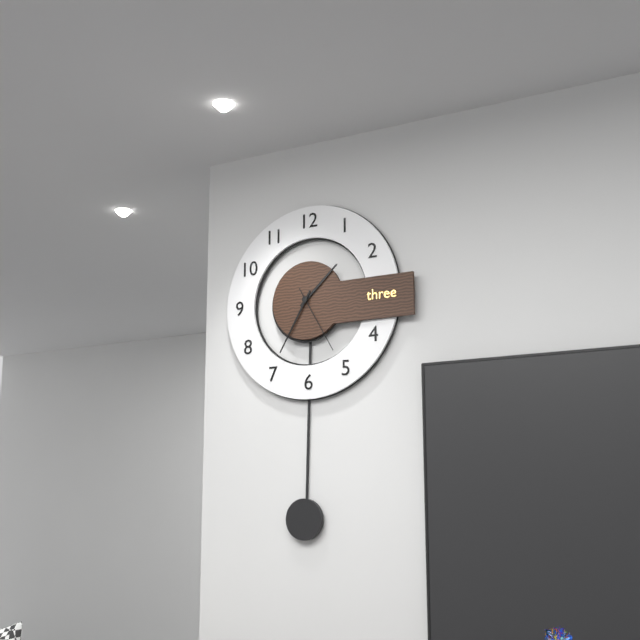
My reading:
**1:35:25**
